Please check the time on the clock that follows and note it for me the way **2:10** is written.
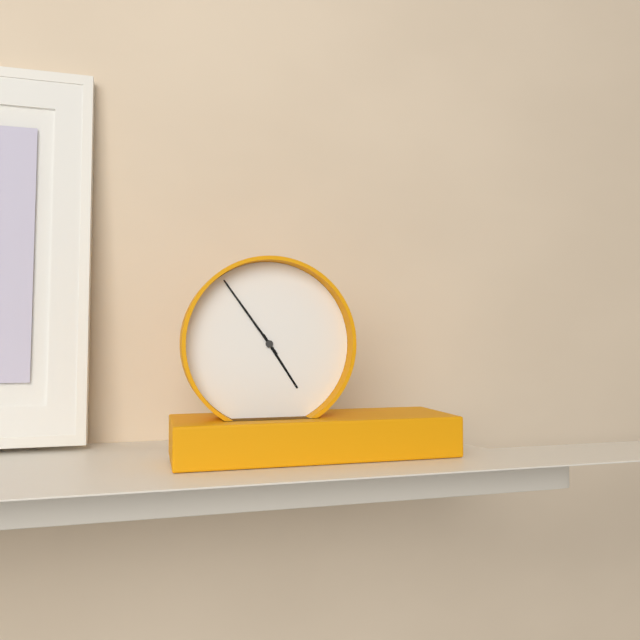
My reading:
**4:54**
